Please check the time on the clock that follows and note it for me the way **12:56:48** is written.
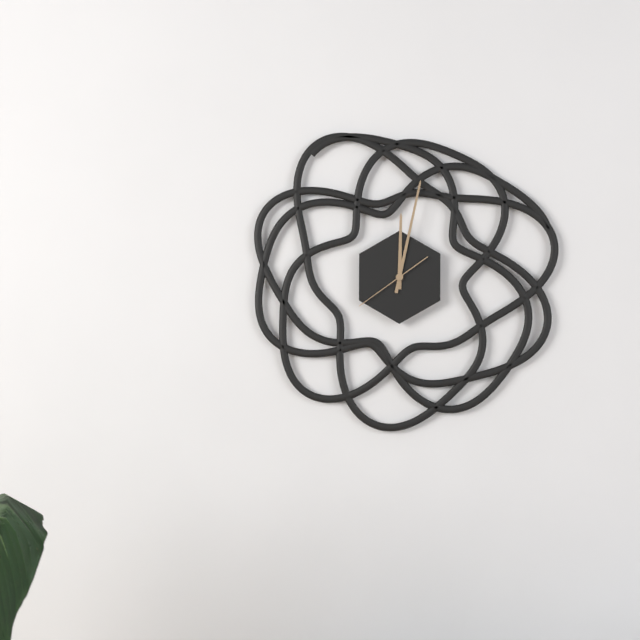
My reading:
**12:02:39**
